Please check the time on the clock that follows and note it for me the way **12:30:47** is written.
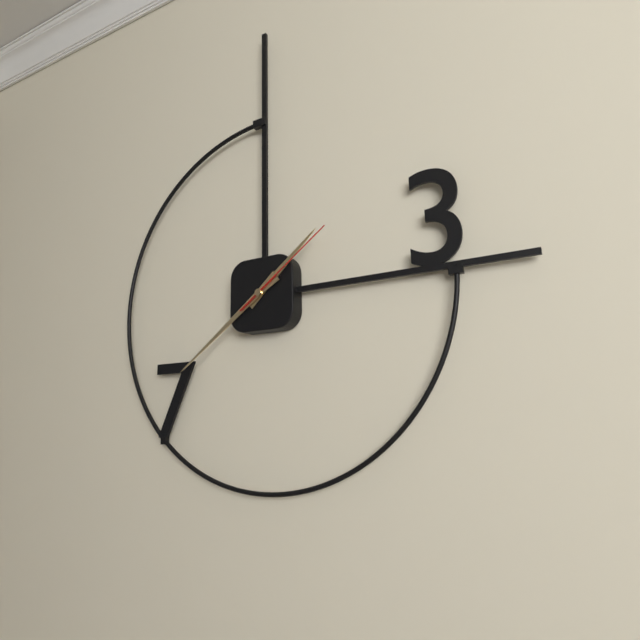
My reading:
**1:39:09**
